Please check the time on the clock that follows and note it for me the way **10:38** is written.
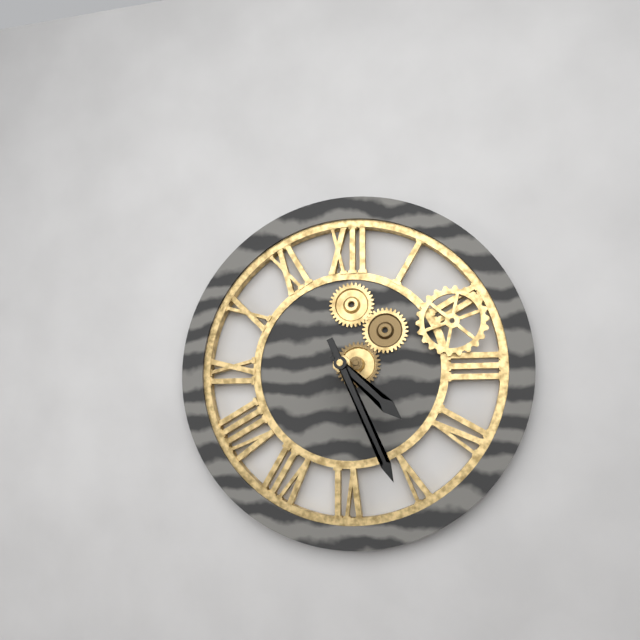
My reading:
**4:26**
